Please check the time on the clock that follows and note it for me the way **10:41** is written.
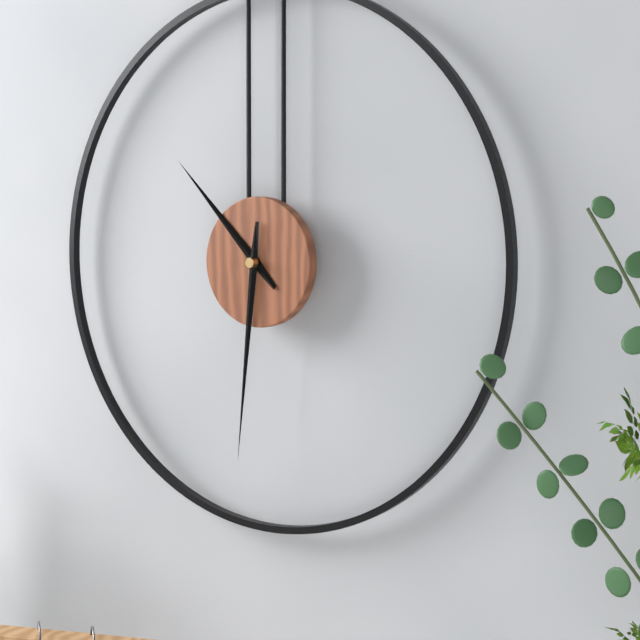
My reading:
**10:31**
